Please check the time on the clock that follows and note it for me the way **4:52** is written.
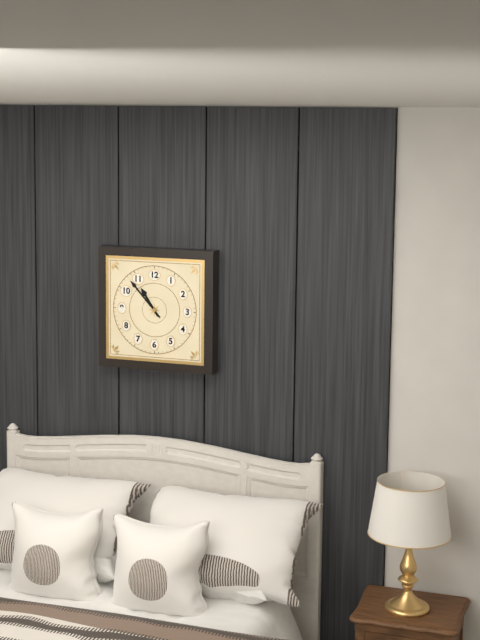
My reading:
**10:53**
